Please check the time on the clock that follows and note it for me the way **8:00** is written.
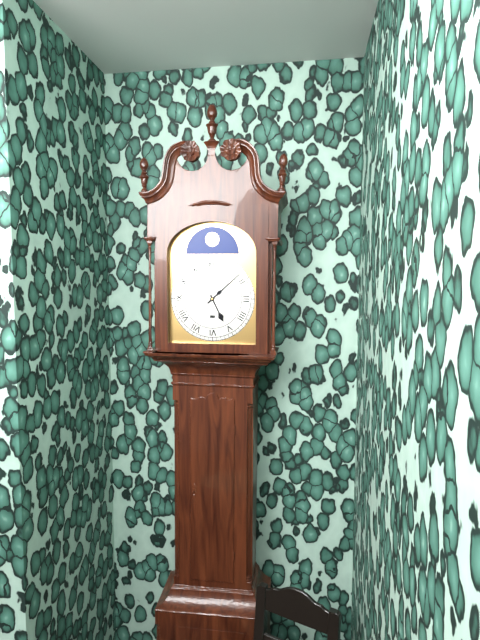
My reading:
**5:08**
